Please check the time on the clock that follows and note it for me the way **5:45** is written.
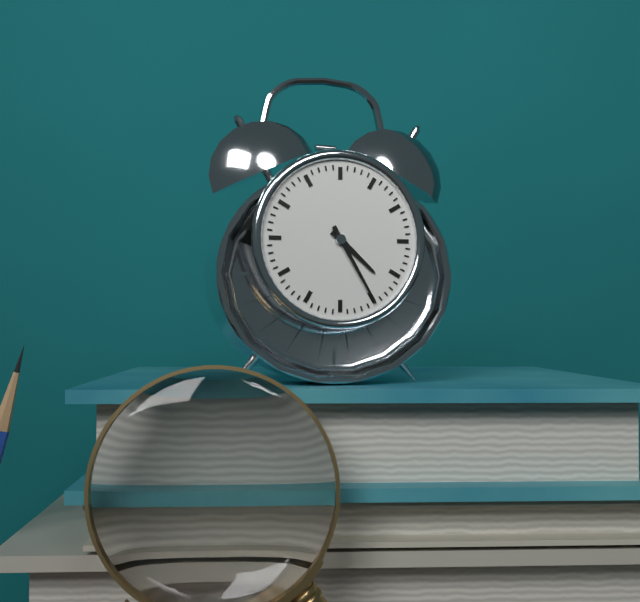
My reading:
**4:25**
